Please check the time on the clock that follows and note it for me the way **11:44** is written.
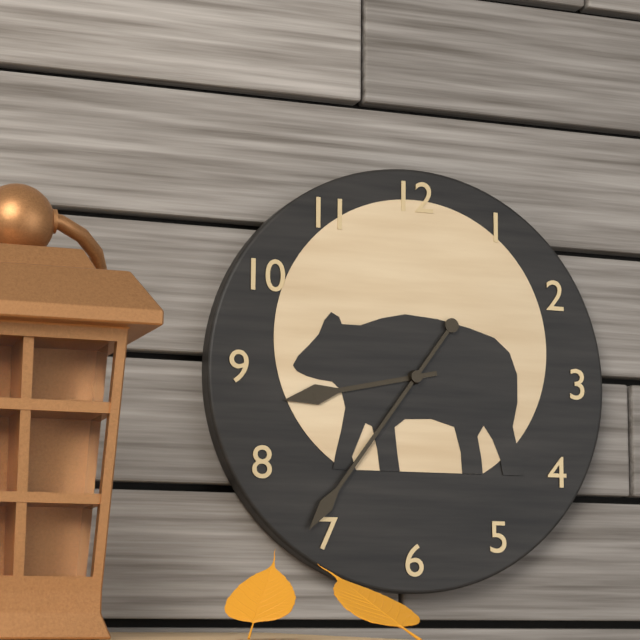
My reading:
**8:36**
